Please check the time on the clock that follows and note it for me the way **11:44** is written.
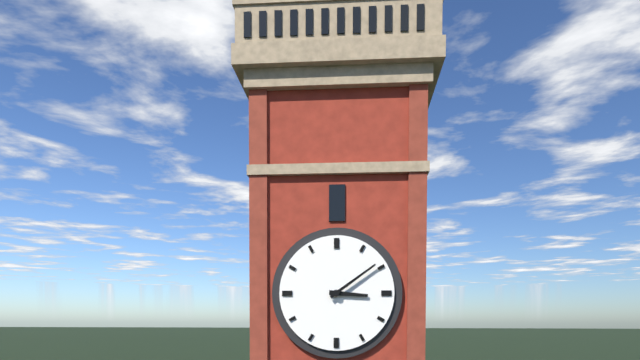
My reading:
**3:09**
